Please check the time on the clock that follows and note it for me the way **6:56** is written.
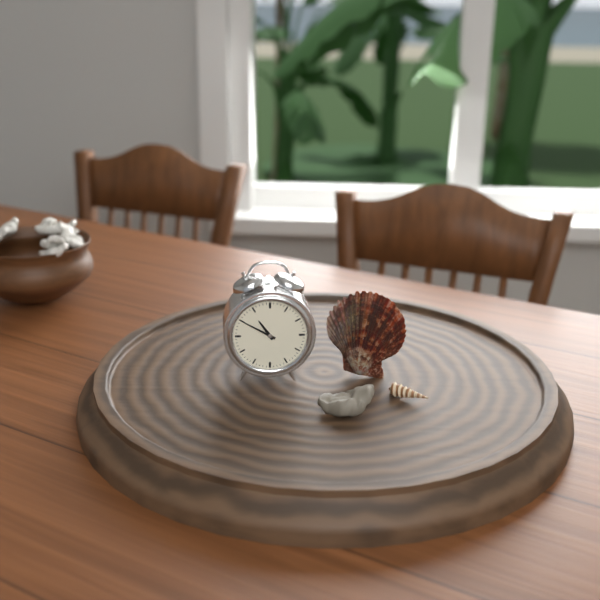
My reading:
**10:50**
